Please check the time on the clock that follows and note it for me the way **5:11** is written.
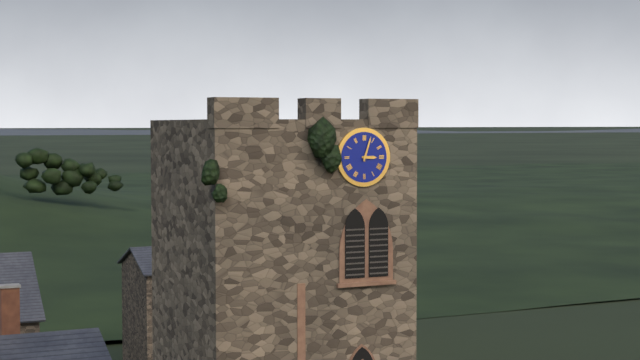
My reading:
**3:03**
